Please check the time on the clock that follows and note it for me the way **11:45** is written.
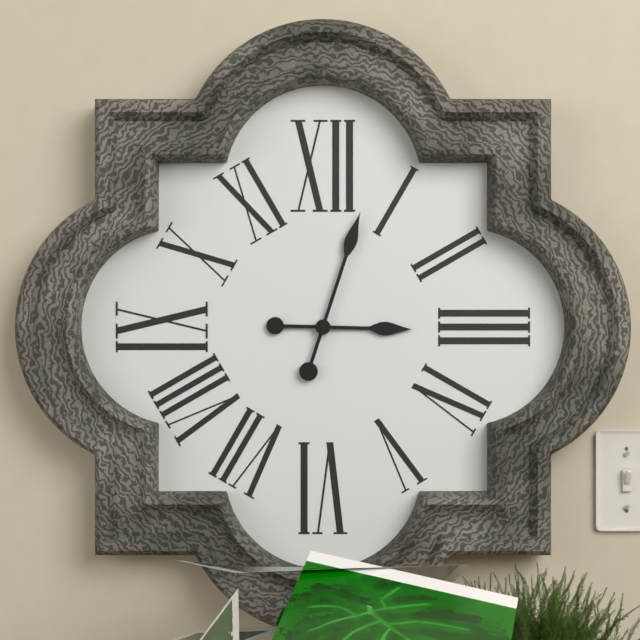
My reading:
**3:03**
